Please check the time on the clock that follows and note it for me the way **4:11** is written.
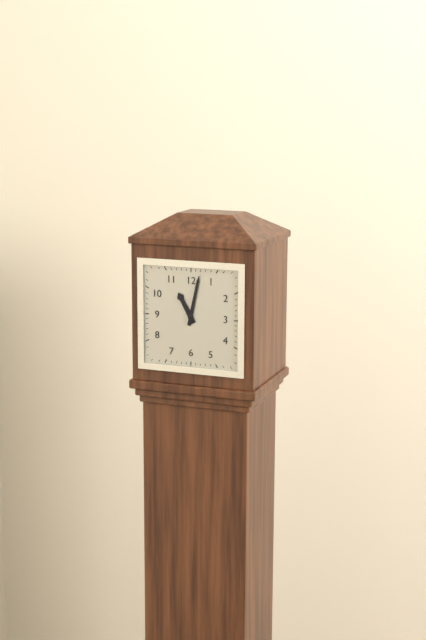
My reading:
**11:02**
